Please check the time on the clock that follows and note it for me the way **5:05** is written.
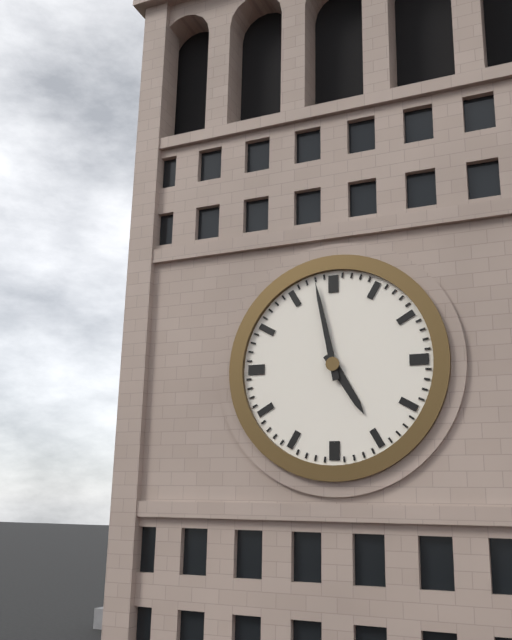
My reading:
**4:58**
